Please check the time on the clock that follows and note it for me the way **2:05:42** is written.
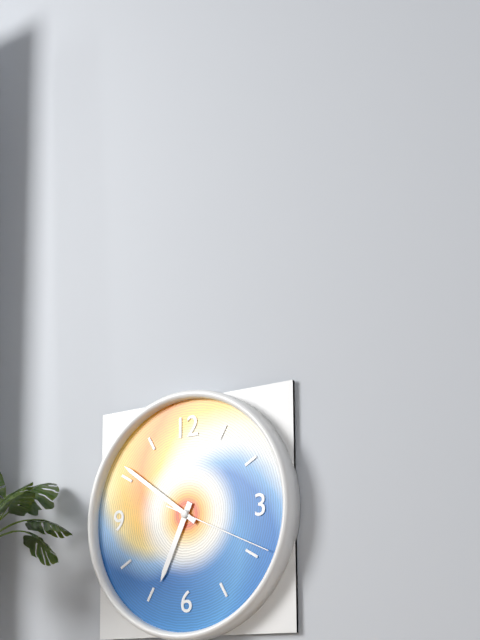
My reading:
**6:51:19**
